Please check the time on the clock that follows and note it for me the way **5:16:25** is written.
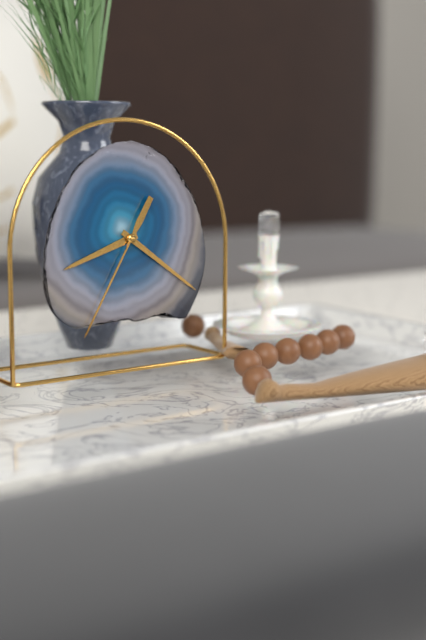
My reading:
**8:21:35**
